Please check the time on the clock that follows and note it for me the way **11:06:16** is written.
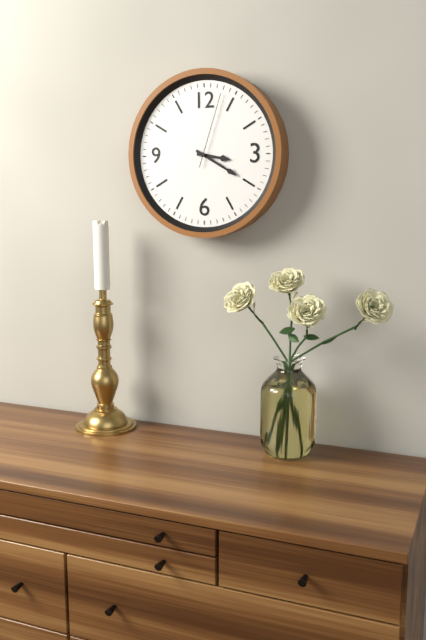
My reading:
**3:20:03**
